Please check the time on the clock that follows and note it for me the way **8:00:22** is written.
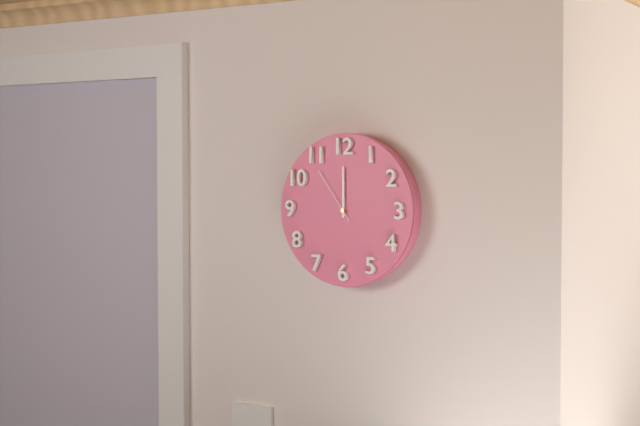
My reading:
**12:00:54**
